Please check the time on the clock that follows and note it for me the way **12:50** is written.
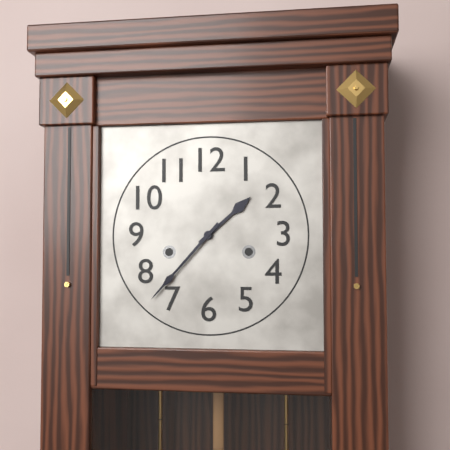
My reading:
**1:37**
